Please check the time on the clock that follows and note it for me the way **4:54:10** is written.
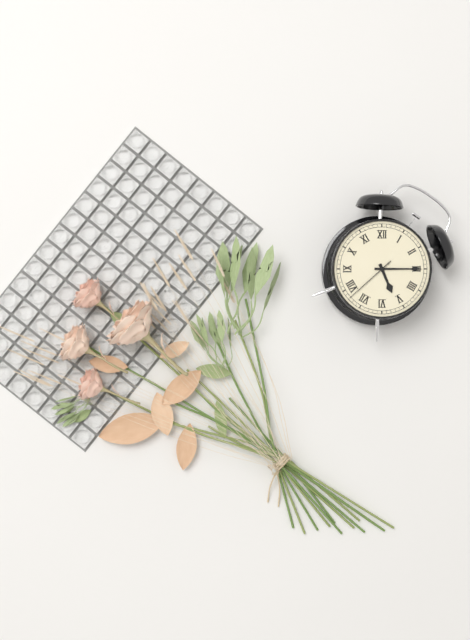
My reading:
**5:15:38**
